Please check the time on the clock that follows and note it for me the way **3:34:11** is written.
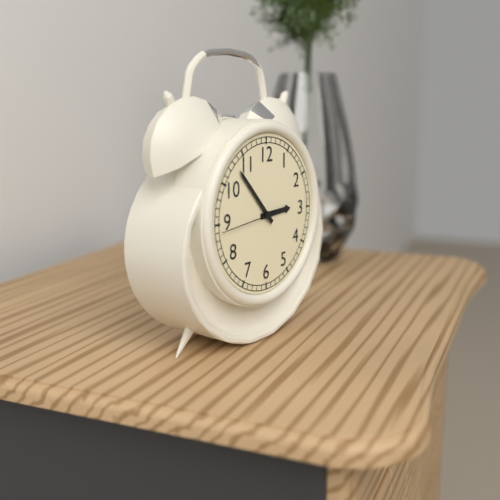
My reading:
**2:53:44**
